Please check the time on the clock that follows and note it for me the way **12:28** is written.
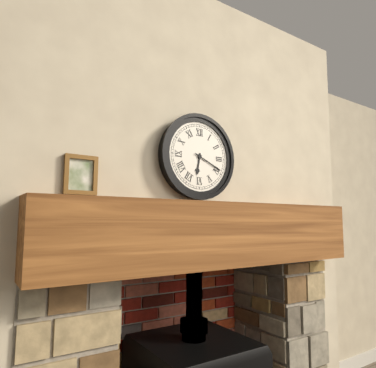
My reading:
**6:19**
